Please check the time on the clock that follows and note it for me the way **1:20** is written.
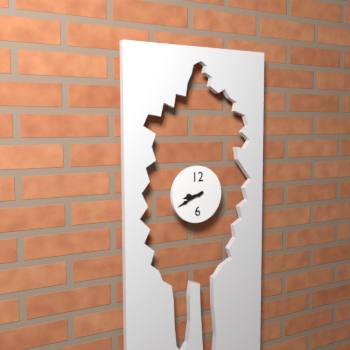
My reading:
**8:41**
